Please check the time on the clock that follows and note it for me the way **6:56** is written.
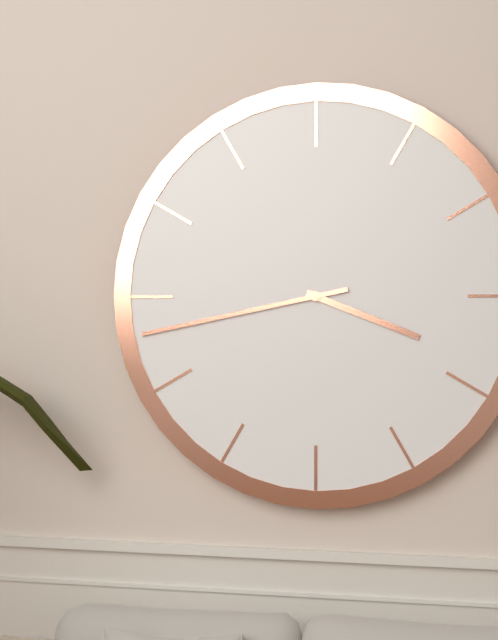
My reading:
**3:43**
